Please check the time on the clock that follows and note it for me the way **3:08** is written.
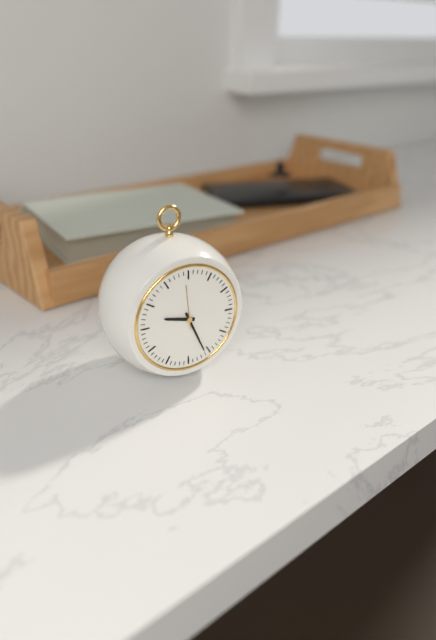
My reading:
**9:26**
